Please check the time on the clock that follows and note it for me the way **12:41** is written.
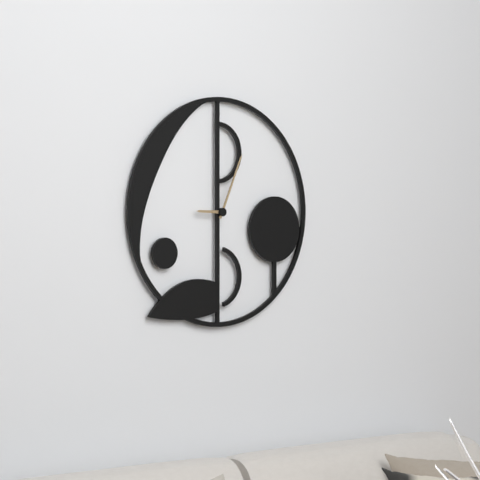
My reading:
**9:04**
